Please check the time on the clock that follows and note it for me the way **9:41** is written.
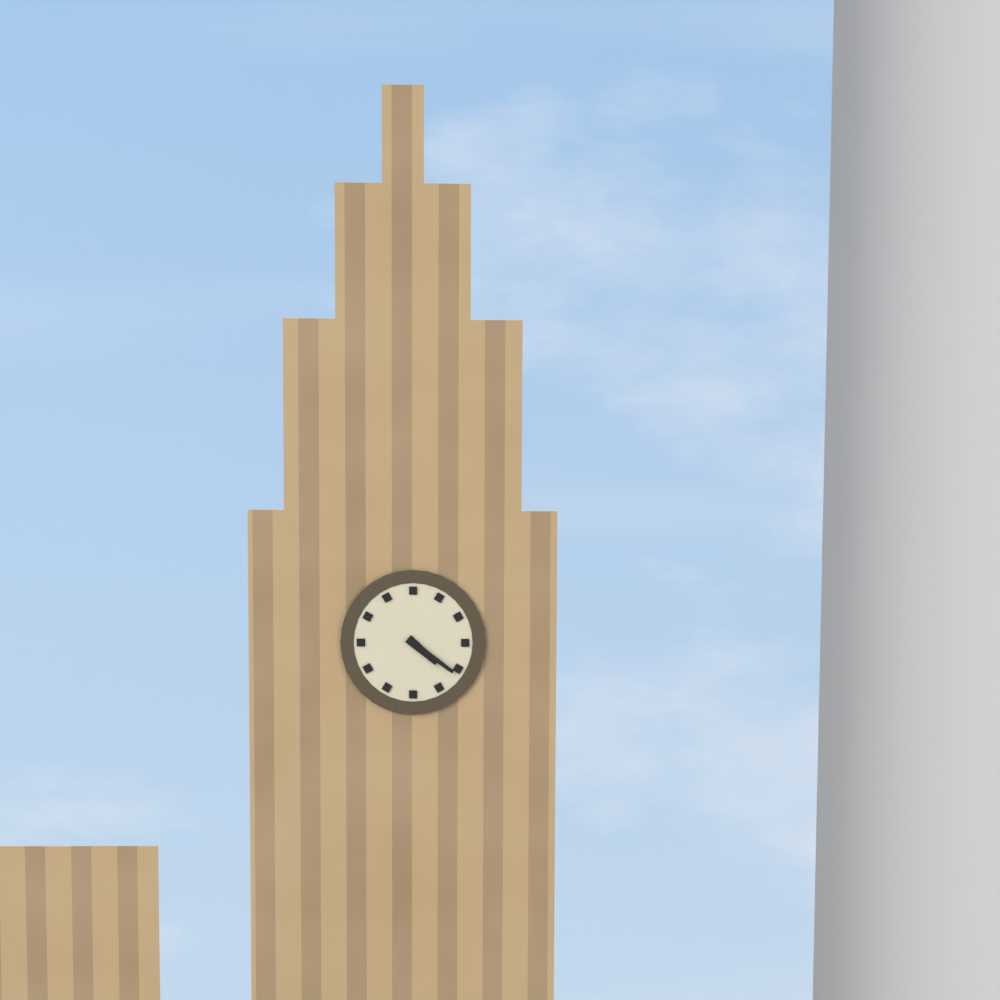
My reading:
**4:21**
